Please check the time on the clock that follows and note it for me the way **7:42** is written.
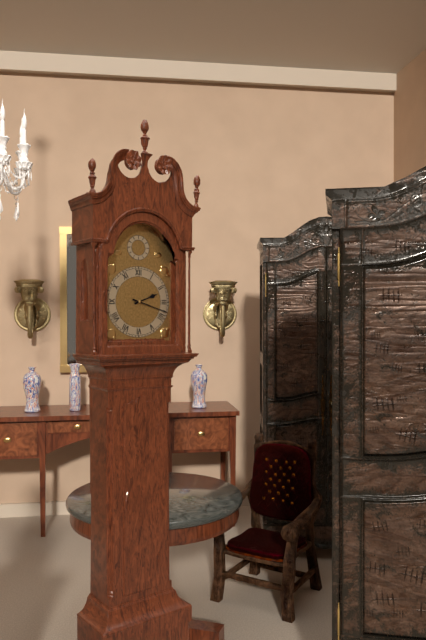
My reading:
**2:18**
